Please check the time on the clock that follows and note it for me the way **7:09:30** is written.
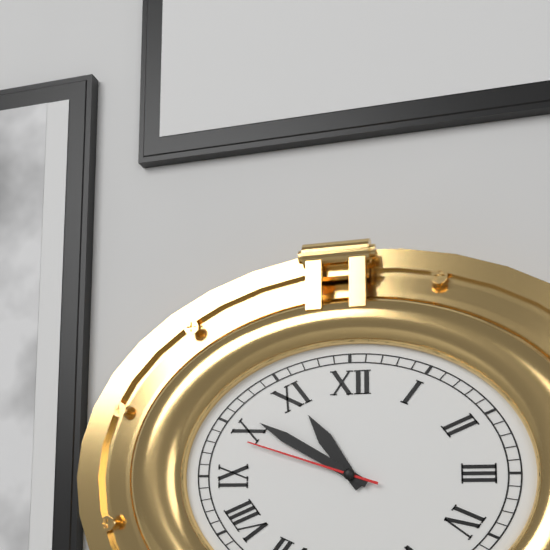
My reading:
**10:50:48**
